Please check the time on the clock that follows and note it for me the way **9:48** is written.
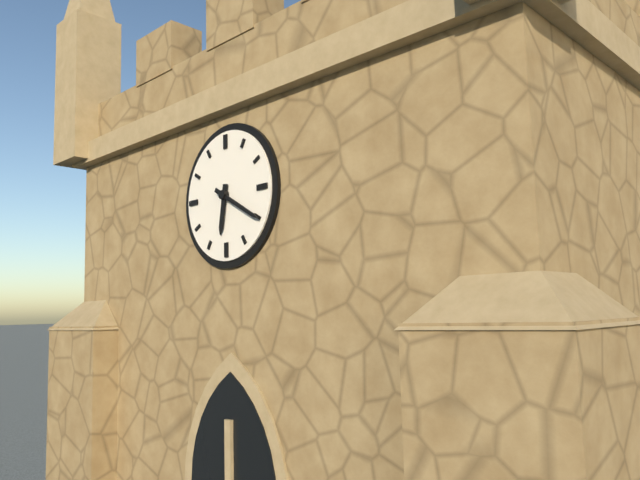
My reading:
**6:20**
